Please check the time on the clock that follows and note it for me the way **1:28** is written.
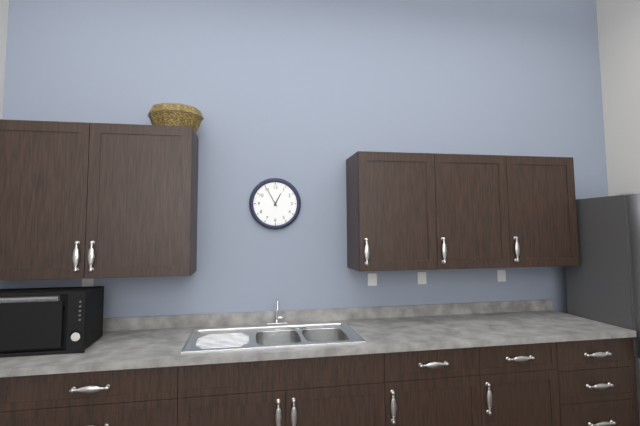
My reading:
**12:55**
